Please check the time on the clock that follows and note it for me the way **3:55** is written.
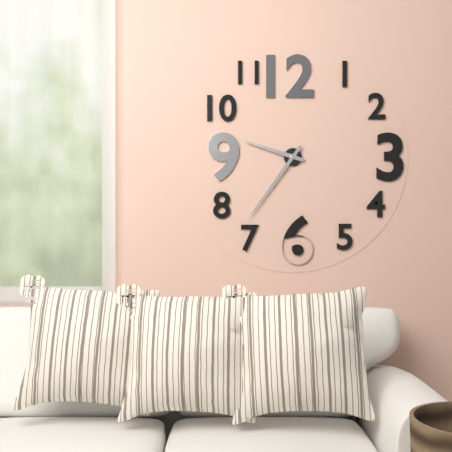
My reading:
**9:36**
